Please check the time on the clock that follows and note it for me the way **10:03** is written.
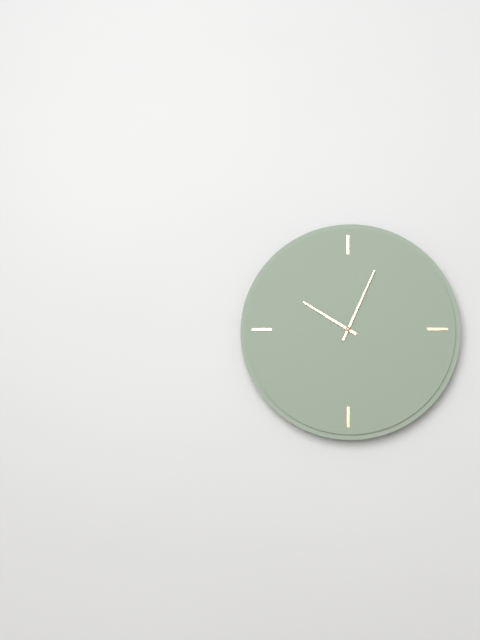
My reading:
**10:04**
